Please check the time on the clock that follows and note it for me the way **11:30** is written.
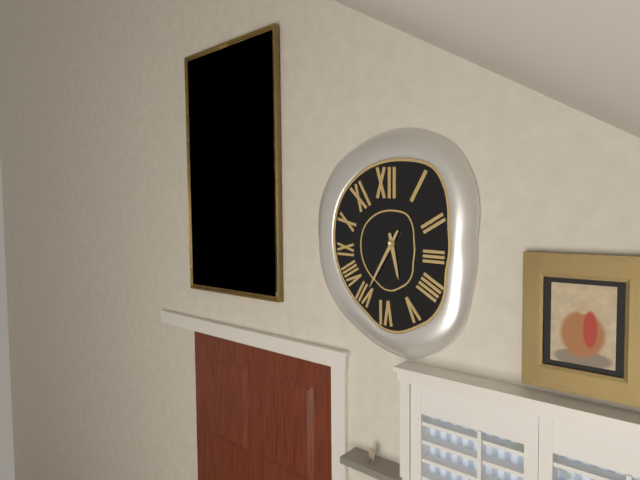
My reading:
**5:35**
